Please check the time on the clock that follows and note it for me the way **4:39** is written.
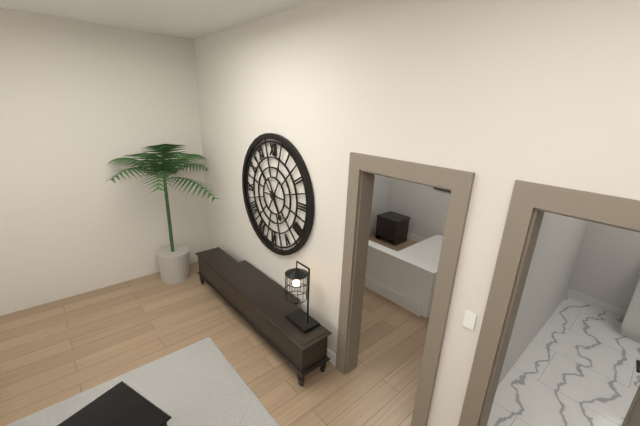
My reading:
**4:53**
